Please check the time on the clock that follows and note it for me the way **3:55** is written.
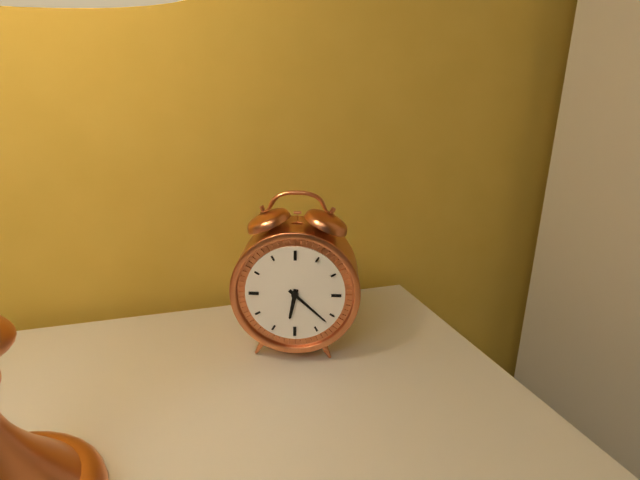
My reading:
**6:22**
